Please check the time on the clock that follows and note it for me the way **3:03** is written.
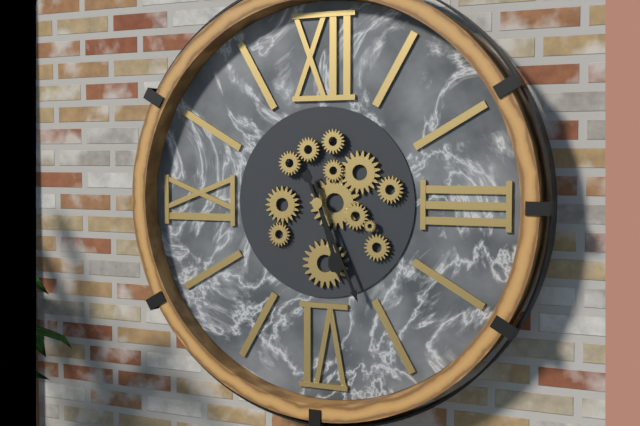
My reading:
**5:26**
